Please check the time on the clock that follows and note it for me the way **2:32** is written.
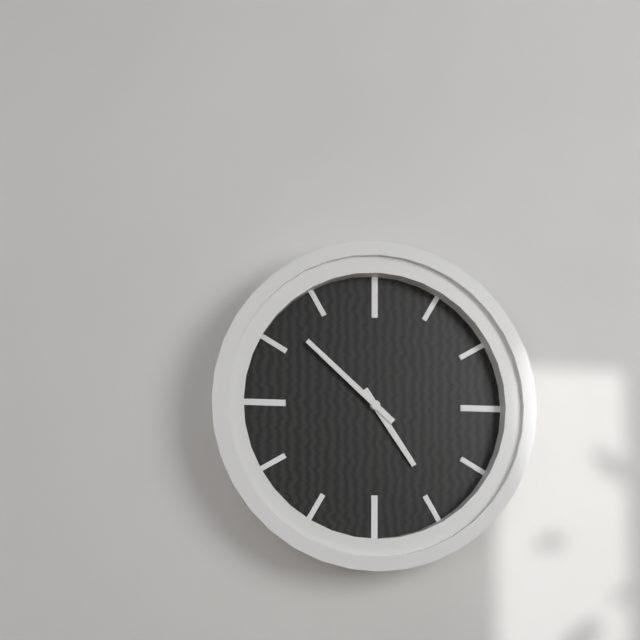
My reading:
**4:52**
